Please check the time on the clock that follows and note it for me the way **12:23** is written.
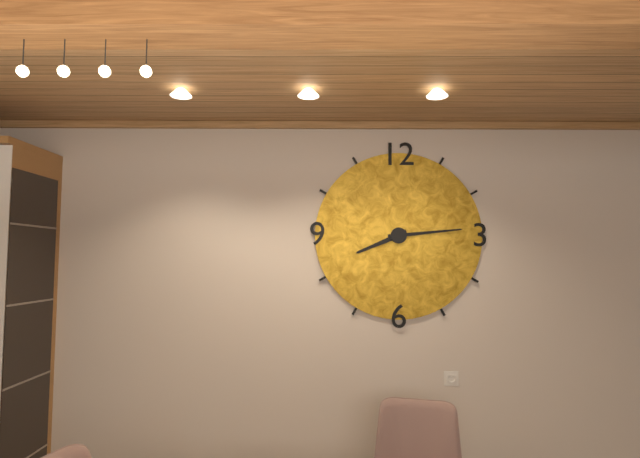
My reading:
**8:14**
